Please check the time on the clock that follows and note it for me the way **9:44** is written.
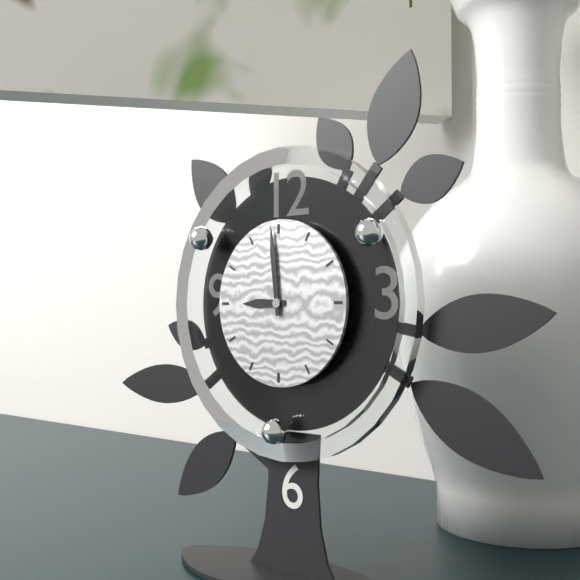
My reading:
**8:59**
